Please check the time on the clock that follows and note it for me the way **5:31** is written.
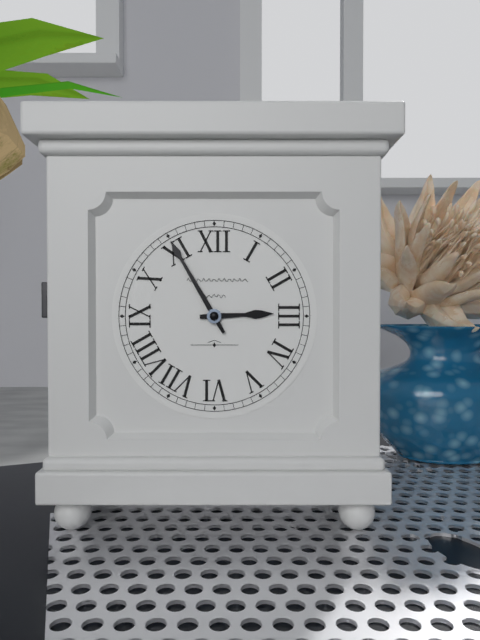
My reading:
**2:55**
